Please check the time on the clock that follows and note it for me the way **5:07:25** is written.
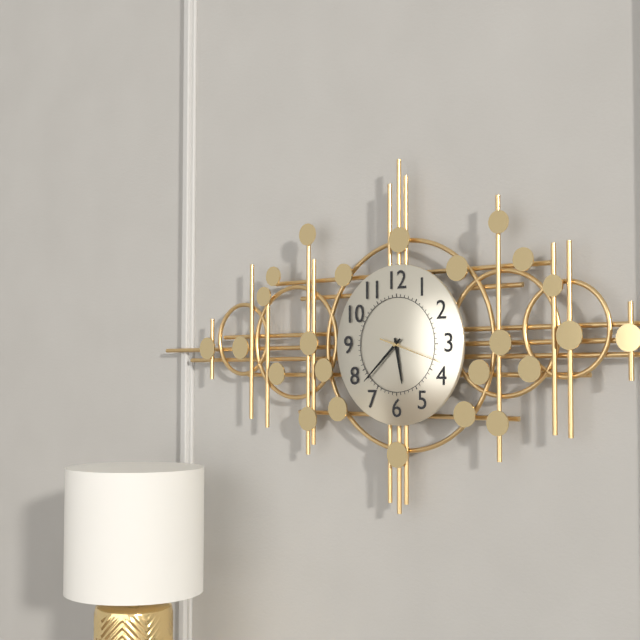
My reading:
**5:38:18**
